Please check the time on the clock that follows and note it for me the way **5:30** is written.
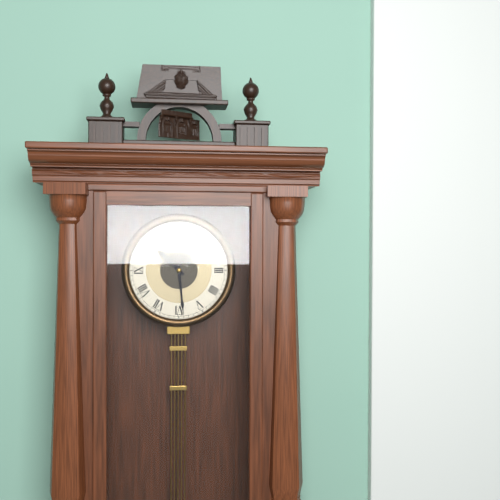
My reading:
**10:29**
